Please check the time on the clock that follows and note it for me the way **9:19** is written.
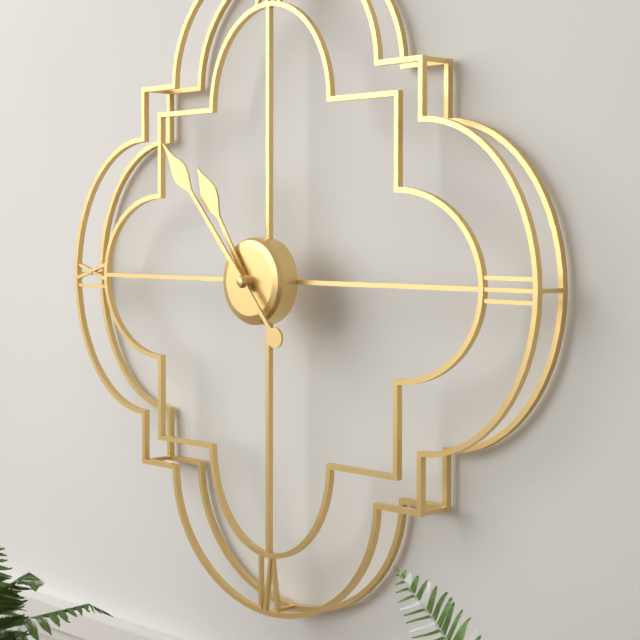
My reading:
**10:53**
